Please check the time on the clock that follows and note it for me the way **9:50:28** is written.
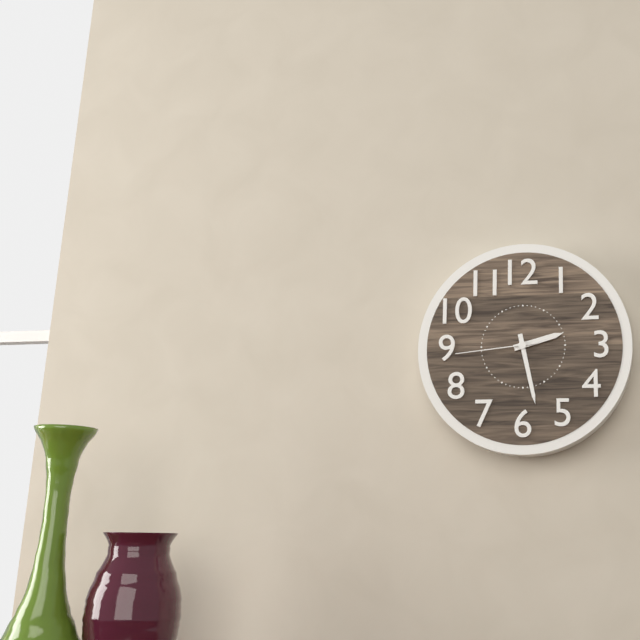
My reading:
**2:28:44**
